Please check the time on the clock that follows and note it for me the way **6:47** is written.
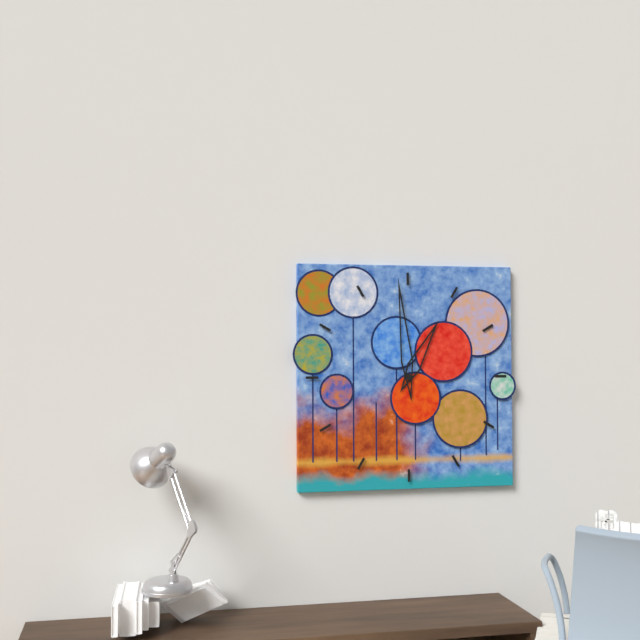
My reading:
**12:59**
